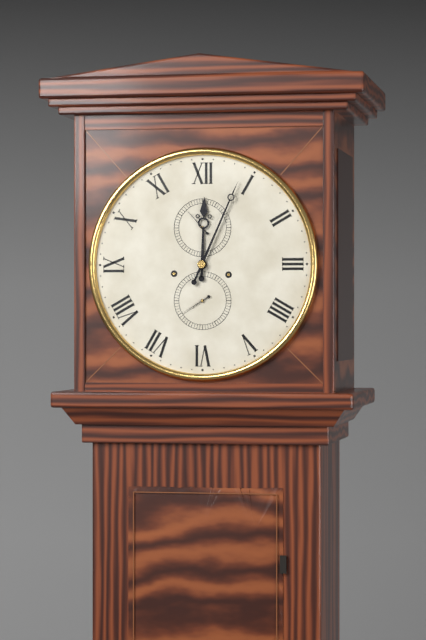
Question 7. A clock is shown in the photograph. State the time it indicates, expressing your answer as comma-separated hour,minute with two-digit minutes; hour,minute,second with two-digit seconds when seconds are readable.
12,04
